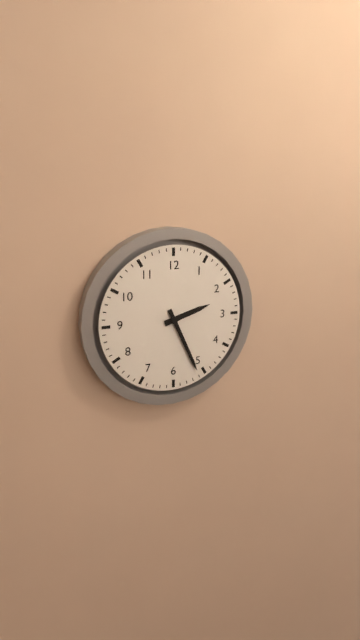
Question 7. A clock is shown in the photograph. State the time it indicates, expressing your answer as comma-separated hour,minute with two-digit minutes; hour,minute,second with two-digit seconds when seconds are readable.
2,26
